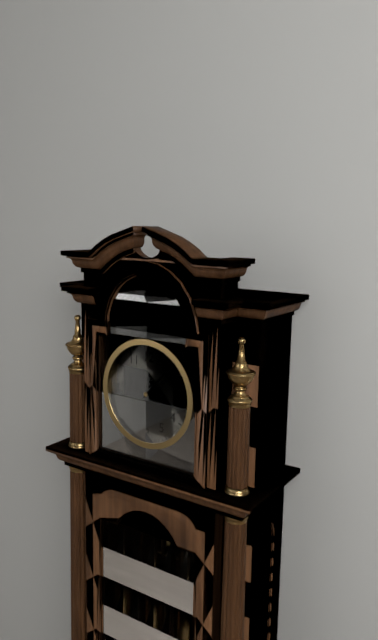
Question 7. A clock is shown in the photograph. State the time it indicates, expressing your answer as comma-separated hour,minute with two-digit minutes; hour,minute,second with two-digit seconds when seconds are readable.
10,07
